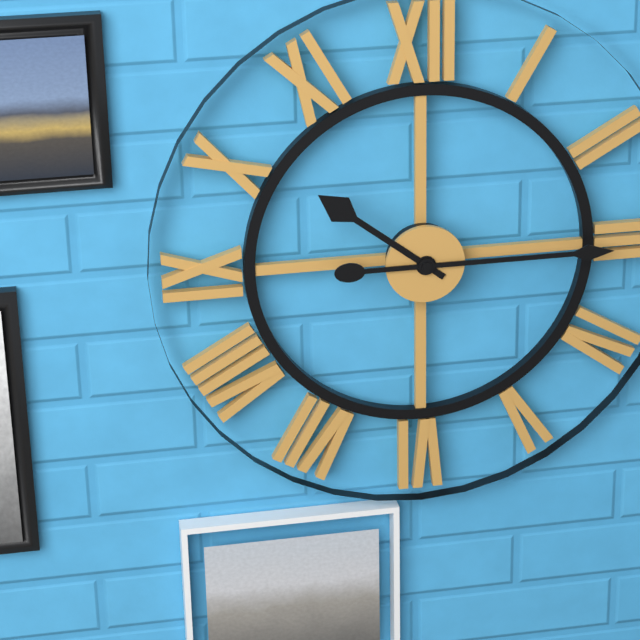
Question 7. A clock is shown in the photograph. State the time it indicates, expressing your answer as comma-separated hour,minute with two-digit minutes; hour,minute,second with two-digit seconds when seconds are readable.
10,15
